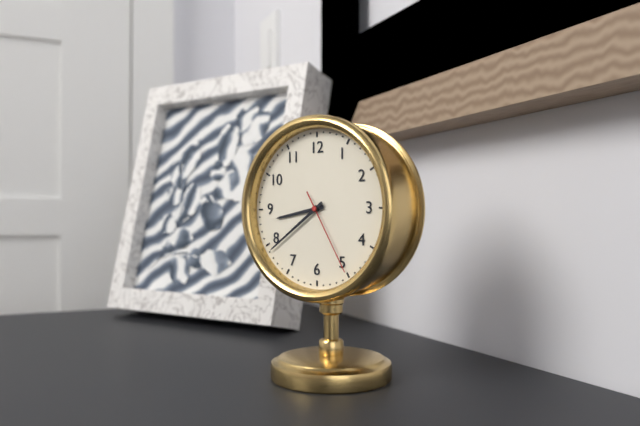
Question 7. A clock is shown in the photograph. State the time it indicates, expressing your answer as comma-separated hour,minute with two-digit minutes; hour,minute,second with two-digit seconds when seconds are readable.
8,39,25
